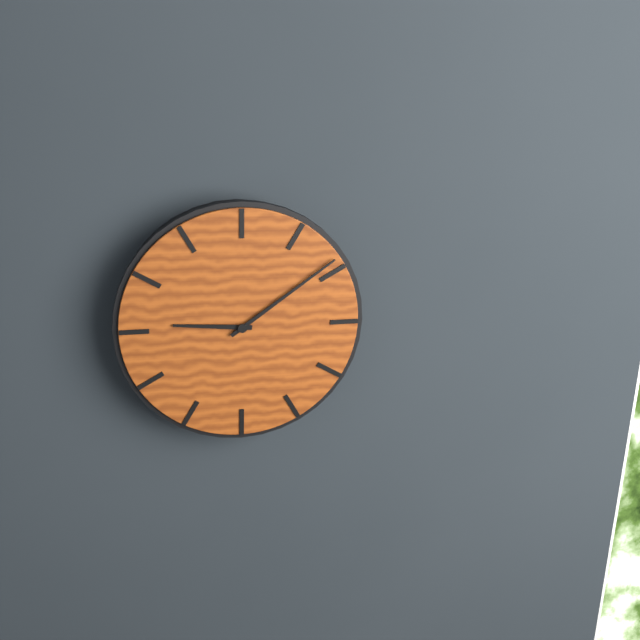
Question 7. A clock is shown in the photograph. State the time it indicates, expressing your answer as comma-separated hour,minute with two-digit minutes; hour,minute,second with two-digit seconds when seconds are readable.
9,09
